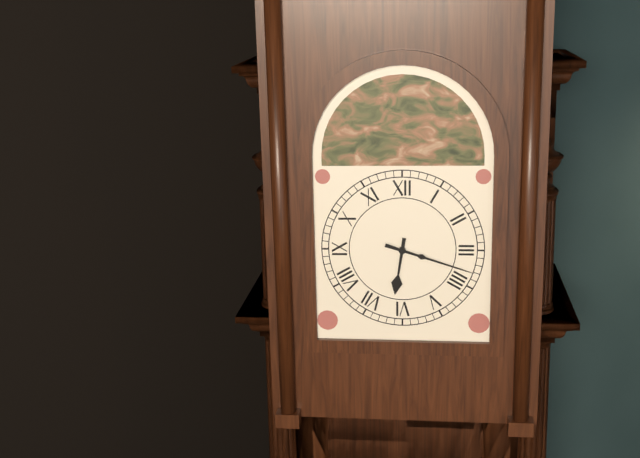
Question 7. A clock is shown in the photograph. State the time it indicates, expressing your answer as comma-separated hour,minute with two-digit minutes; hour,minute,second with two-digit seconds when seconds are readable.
6,18
